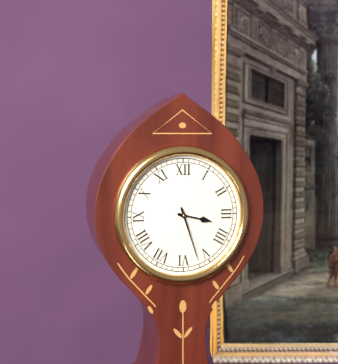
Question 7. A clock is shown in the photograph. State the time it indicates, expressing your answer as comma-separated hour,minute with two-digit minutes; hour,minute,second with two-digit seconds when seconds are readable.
3,27
